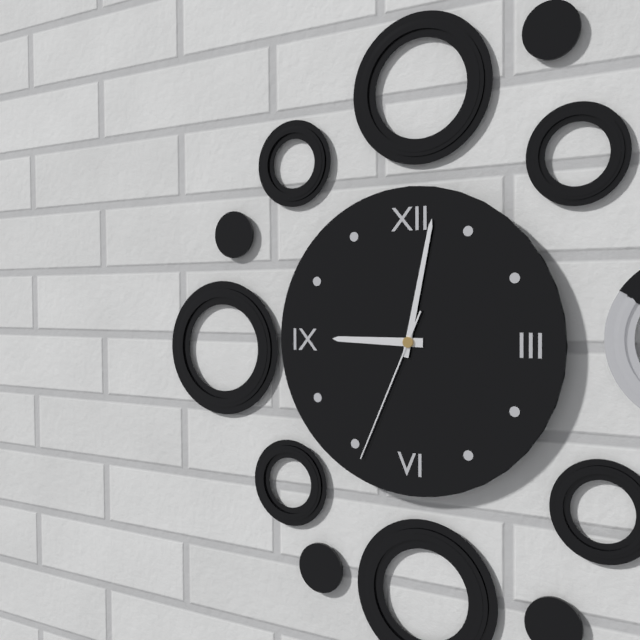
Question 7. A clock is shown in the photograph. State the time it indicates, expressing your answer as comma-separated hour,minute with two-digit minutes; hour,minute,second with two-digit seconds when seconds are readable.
9,02,34
